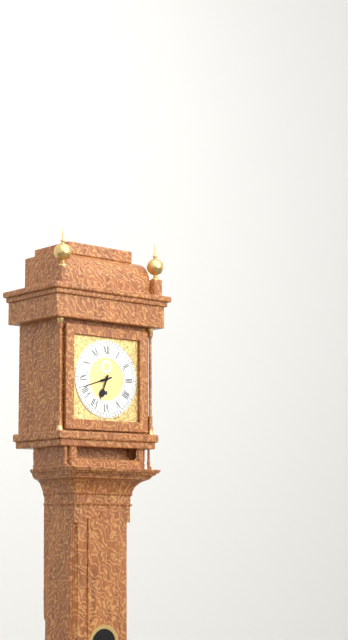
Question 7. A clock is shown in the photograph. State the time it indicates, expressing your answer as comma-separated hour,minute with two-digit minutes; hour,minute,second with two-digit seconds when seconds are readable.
6,42
